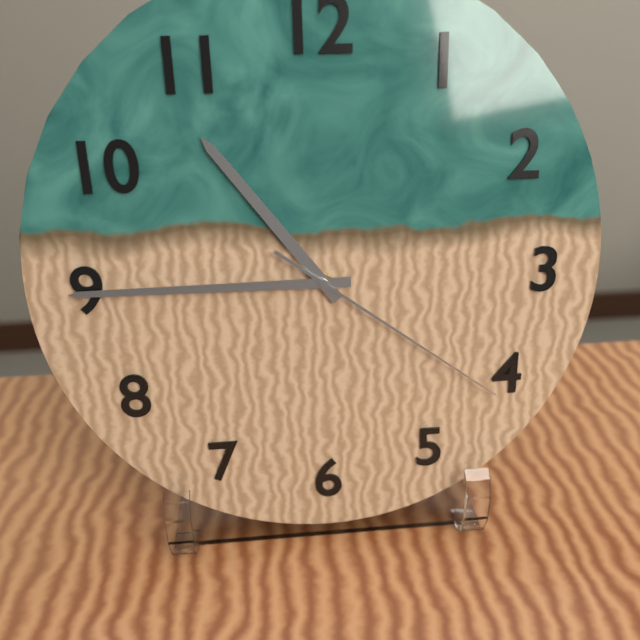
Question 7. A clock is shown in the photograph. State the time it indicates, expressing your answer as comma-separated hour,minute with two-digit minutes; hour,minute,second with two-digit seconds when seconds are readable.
10,45,21
